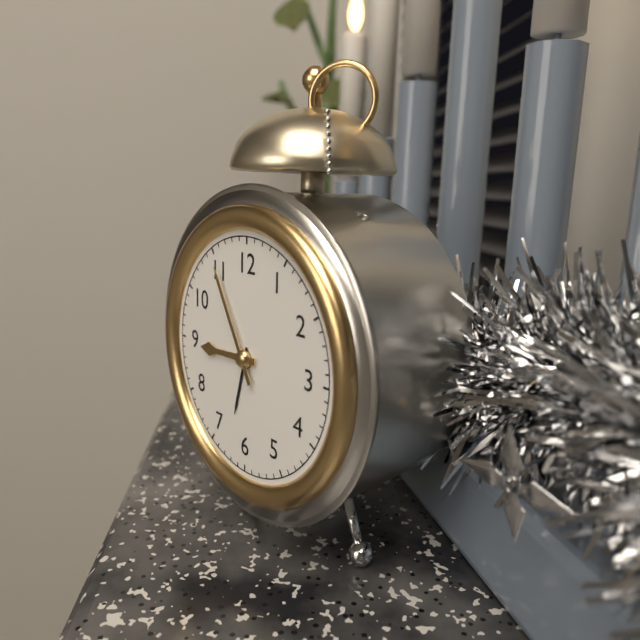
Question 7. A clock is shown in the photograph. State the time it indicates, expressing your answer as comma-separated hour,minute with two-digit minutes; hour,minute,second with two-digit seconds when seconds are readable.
8,55
